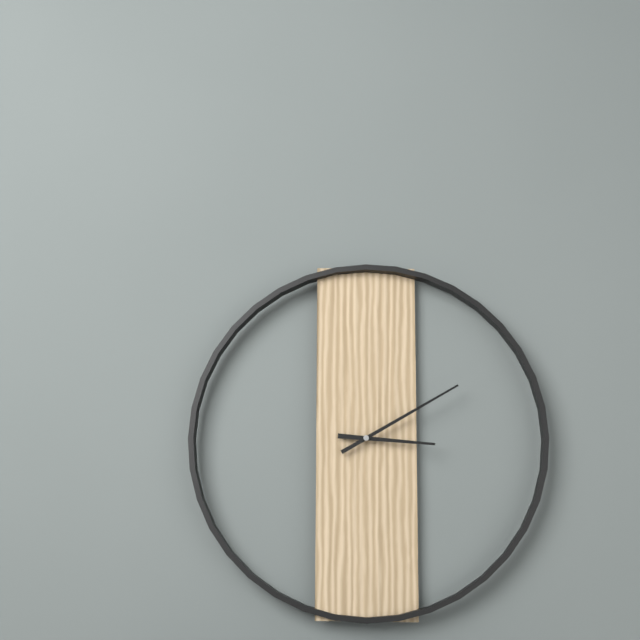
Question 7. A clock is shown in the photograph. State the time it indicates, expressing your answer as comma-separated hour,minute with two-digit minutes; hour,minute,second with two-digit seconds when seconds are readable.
3,10
